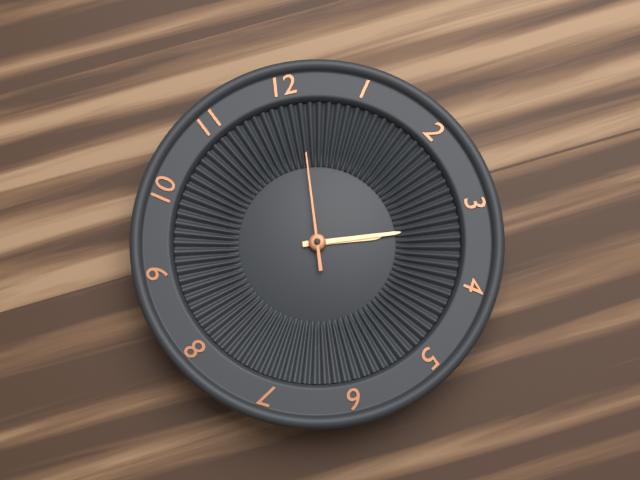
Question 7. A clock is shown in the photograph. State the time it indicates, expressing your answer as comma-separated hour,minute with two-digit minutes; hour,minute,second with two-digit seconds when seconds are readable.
3,16,01
